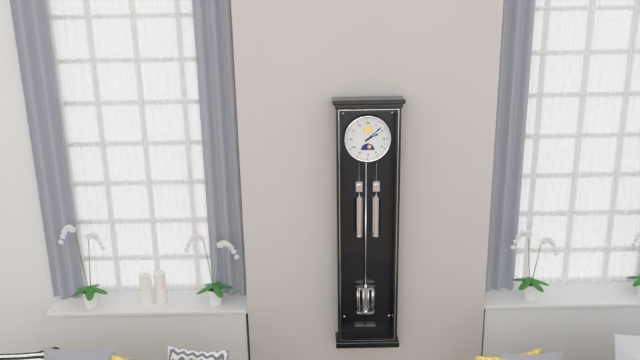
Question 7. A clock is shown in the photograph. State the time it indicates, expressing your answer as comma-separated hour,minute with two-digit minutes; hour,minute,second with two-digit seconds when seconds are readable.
2,08
